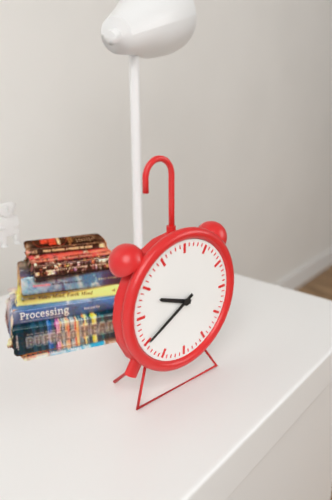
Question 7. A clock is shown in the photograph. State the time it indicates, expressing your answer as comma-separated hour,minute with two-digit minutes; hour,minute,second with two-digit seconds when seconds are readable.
9,40
